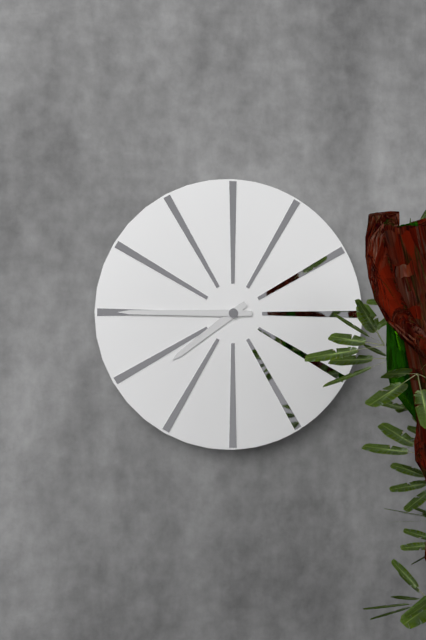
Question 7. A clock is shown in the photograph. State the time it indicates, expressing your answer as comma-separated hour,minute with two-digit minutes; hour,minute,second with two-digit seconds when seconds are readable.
7,45
